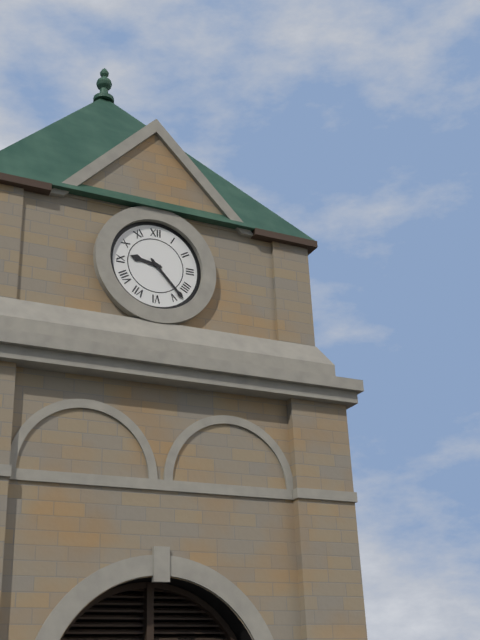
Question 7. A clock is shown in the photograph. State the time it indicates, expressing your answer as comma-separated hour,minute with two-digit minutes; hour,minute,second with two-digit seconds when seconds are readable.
9,23
